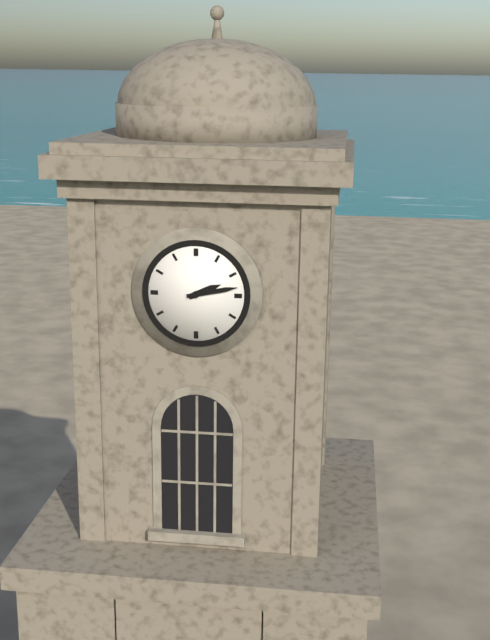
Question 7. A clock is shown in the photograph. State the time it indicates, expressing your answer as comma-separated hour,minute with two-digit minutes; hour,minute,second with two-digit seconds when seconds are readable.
2,13
